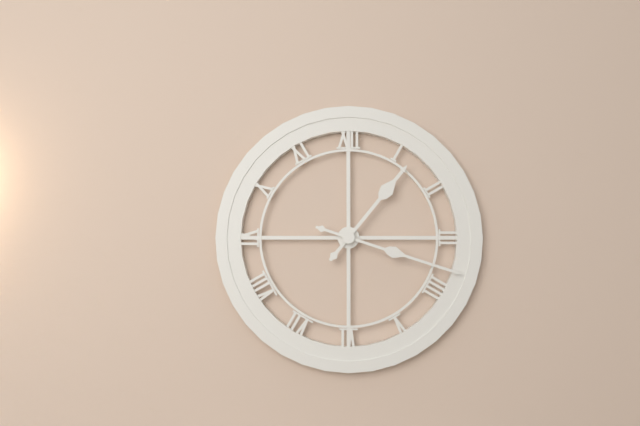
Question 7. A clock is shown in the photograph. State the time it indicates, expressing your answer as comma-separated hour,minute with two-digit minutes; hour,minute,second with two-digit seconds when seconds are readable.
1,18
